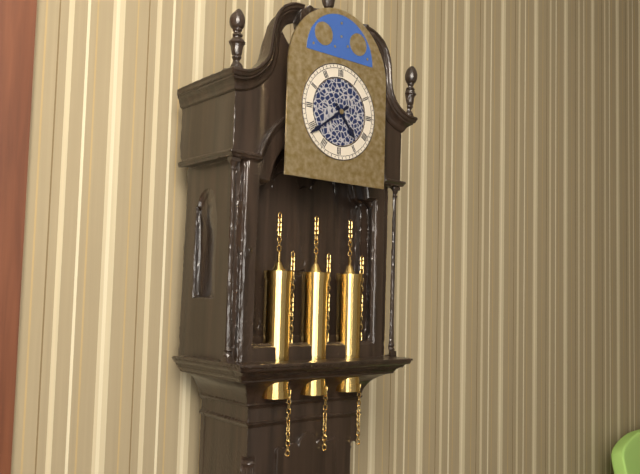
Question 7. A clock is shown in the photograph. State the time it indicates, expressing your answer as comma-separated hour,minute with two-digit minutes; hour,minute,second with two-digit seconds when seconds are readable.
4,39
